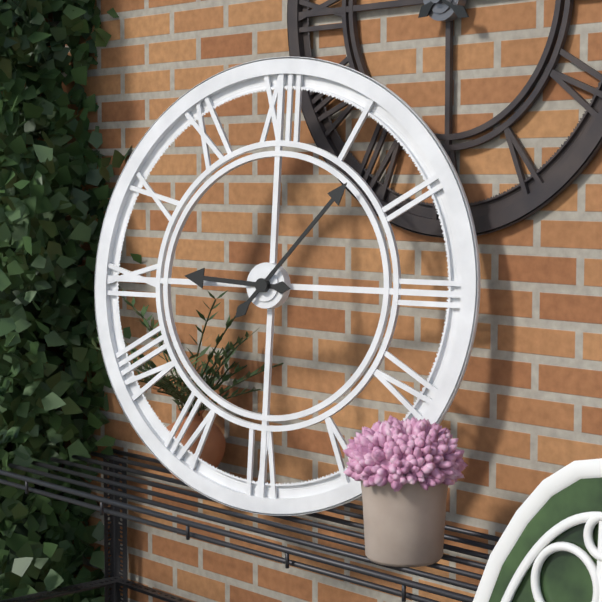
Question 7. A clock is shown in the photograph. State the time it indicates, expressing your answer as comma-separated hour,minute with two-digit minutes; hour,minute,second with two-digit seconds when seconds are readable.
9,07
